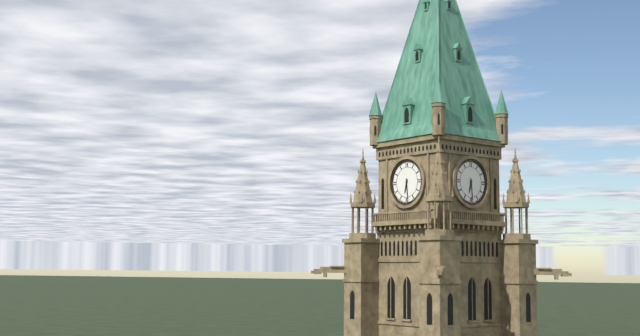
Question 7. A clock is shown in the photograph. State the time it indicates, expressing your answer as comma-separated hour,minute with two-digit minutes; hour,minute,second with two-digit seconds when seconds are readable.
6,29
